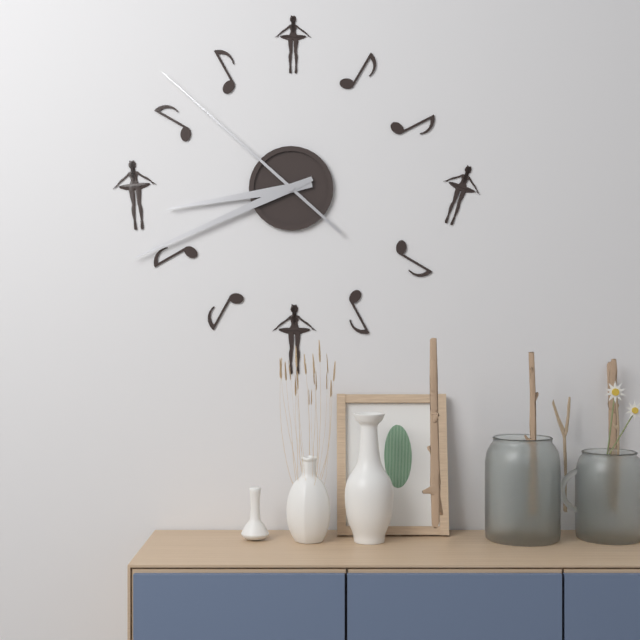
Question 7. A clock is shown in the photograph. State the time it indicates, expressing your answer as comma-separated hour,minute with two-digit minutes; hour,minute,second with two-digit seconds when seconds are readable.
8,41,52
